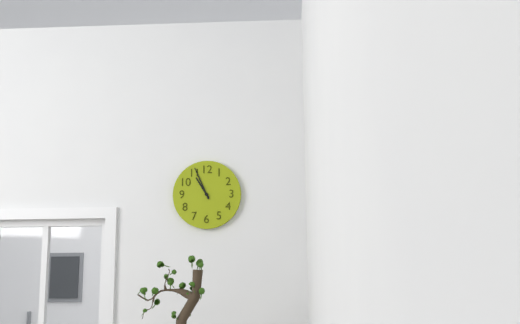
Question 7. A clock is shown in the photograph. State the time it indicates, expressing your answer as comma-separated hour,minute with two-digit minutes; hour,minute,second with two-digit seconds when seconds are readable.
10,56
